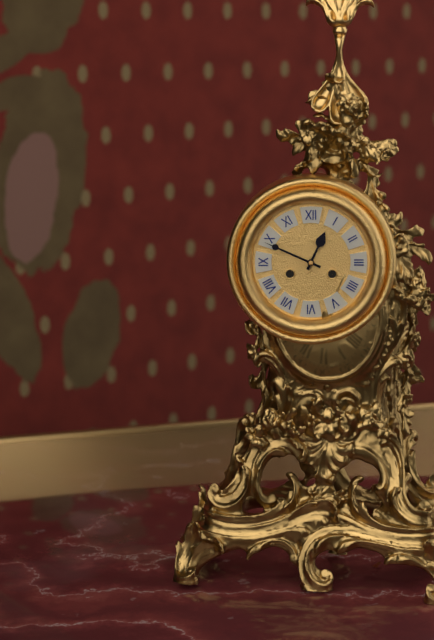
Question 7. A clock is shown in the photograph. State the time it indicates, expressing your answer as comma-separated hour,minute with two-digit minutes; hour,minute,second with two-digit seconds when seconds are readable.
12,49
